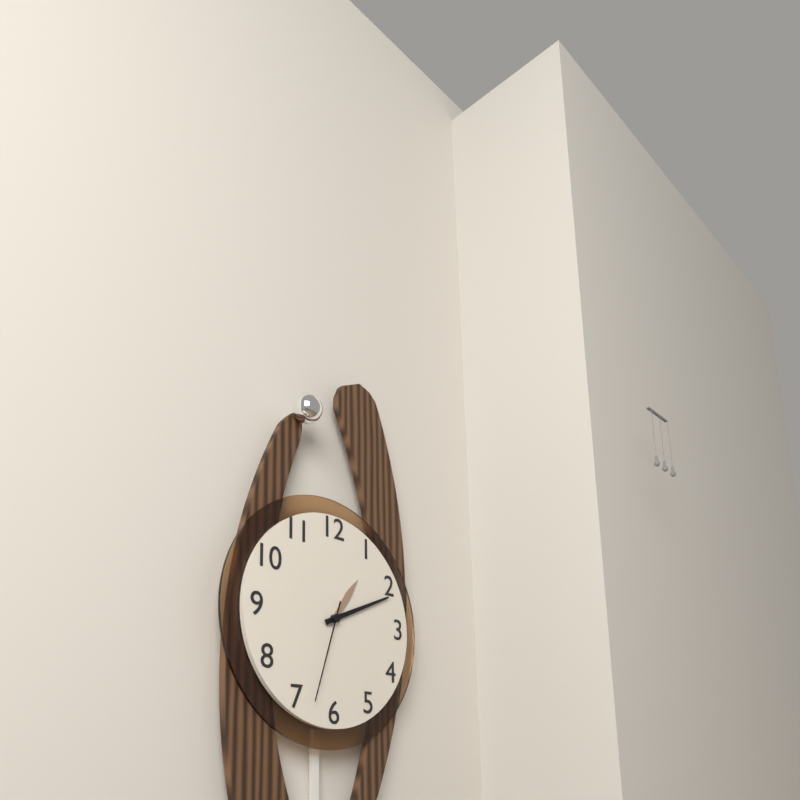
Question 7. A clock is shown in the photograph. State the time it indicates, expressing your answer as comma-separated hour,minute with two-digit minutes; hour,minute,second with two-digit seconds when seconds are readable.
1,11,33
